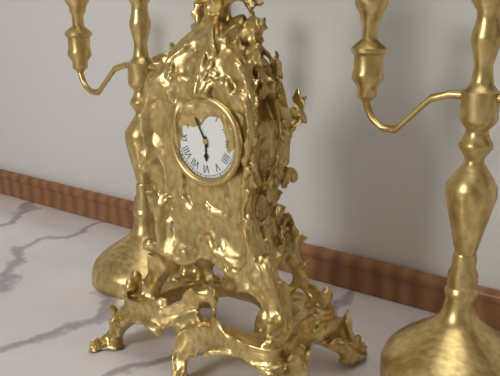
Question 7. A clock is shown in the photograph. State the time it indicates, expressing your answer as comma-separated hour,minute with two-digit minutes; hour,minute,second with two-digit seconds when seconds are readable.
5,55
